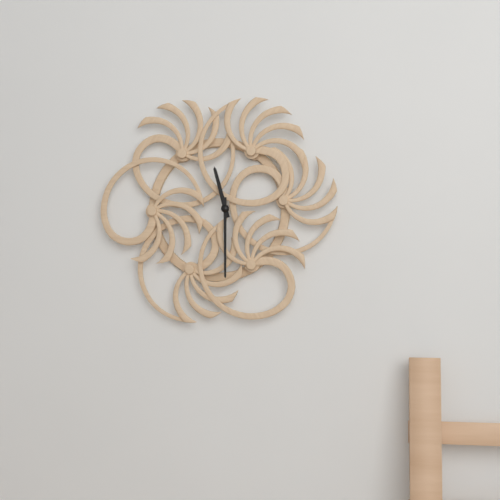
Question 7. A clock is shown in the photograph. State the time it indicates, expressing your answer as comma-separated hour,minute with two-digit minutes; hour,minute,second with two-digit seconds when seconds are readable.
11,30
